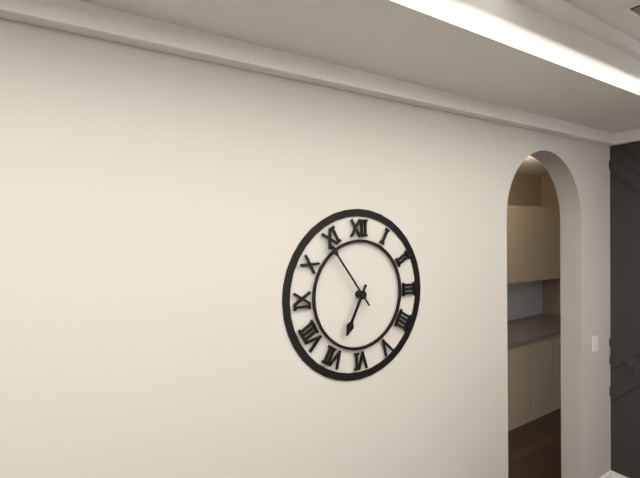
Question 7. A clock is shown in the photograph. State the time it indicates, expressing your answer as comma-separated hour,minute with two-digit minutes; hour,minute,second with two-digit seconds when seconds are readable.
6,54
